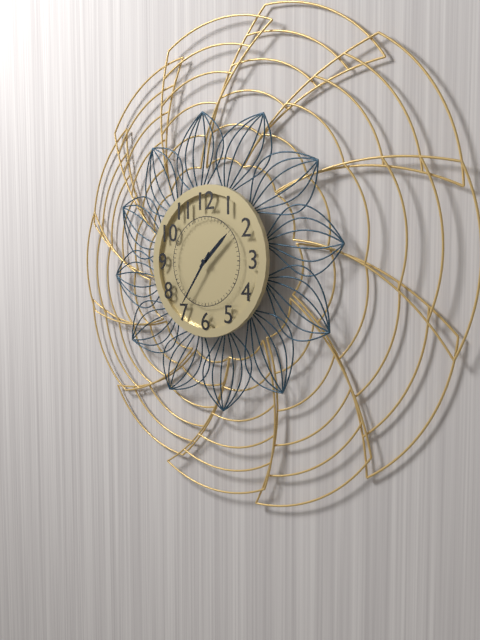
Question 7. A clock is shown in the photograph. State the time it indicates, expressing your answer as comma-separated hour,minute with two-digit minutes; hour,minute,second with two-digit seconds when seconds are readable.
1,36
